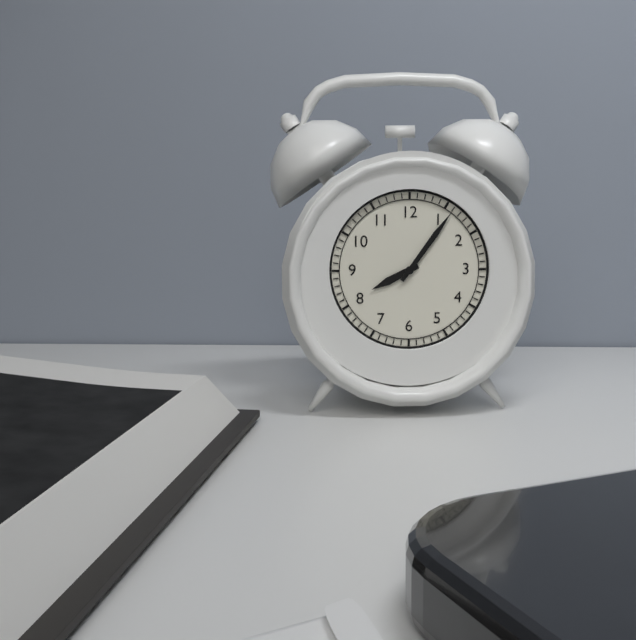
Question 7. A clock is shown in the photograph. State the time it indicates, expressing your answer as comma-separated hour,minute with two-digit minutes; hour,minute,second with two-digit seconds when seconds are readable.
8,06
